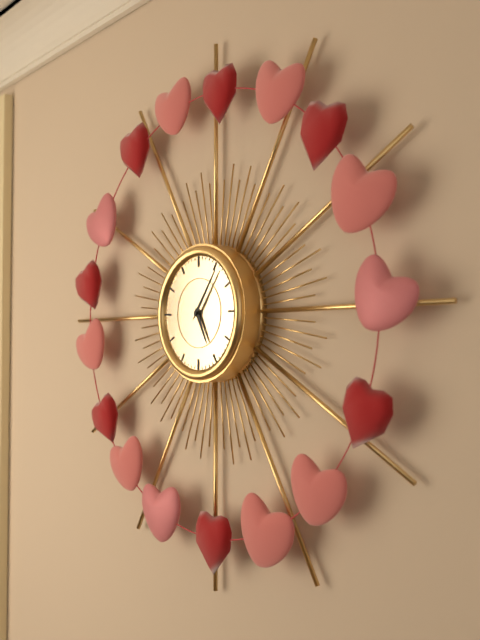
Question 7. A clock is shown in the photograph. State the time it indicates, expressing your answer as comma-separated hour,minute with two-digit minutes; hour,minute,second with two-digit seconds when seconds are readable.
5,06
